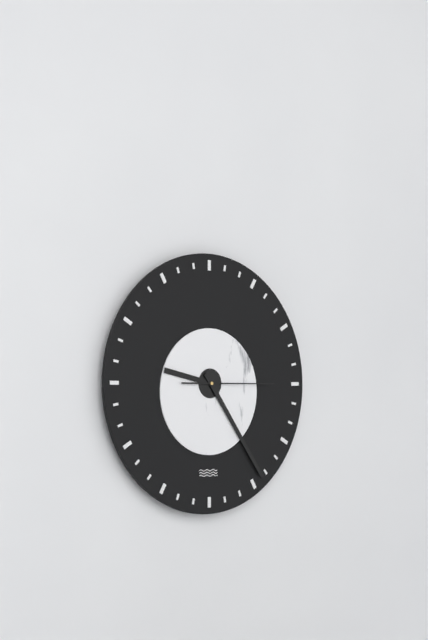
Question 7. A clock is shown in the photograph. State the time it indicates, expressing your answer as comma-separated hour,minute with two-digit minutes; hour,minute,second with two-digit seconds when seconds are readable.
9,24,15
